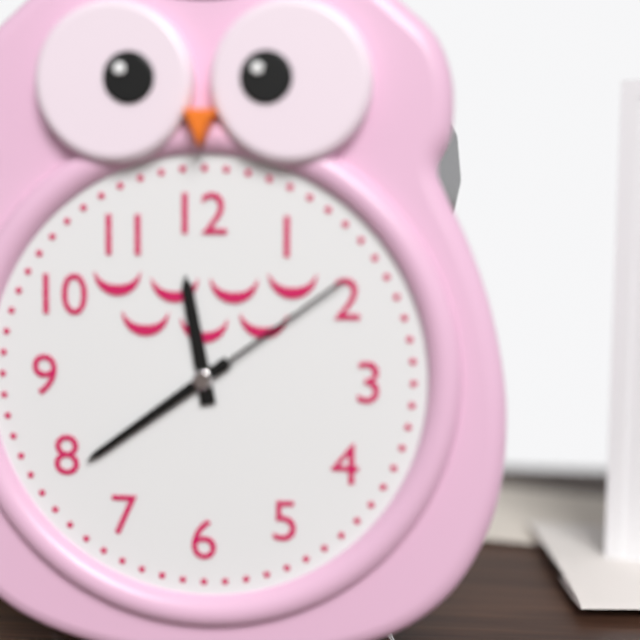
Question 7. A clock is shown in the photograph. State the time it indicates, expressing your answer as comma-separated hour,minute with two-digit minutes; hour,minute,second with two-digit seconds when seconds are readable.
11,39,09
